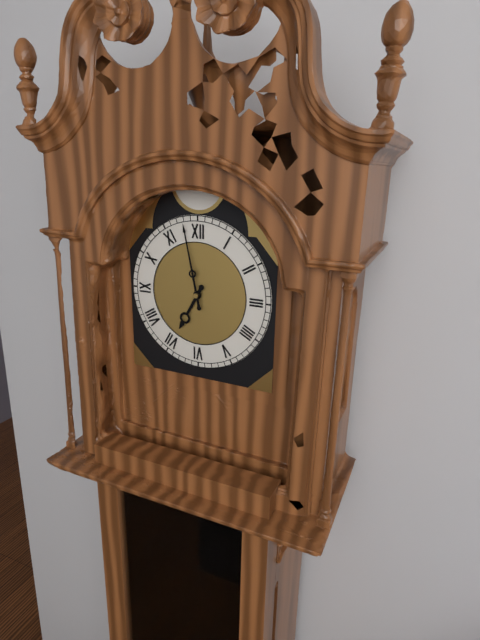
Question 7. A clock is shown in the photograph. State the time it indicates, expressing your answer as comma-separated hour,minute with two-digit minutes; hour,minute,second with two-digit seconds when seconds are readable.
6,58
